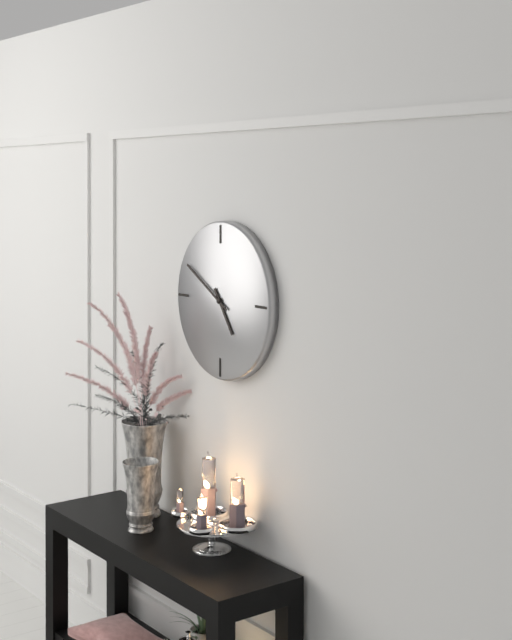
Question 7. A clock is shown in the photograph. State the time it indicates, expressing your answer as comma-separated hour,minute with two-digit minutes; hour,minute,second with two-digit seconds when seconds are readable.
4,50
